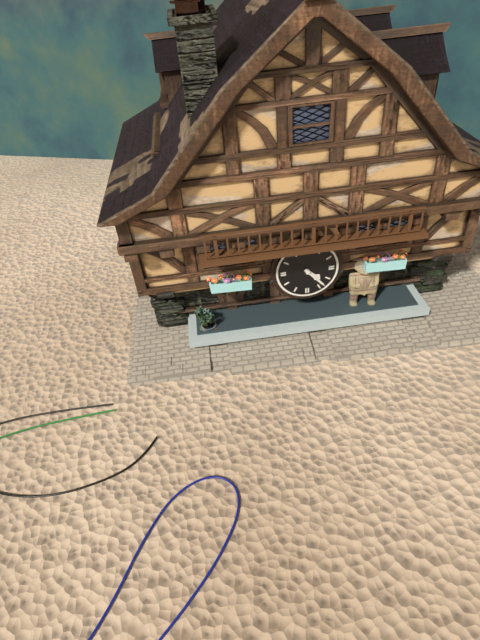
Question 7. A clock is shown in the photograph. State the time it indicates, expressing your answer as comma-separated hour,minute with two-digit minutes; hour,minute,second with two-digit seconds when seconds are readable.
4,23
